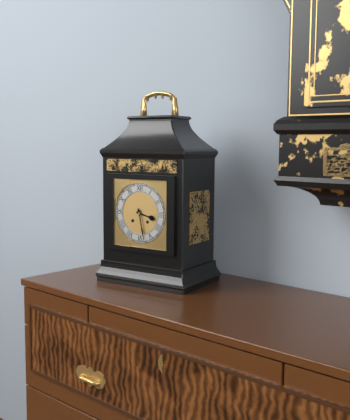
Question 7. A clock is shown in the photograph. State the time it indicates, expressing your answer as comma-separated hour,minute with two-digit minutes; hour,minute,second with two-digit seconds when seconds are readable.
3,28
